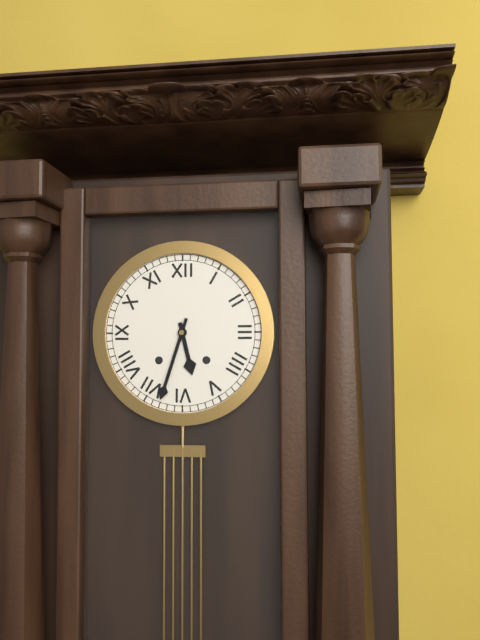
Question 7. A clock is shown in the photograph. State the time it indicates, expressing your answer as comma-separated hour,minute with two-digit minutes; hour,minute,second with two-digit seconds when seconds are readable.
5,33
